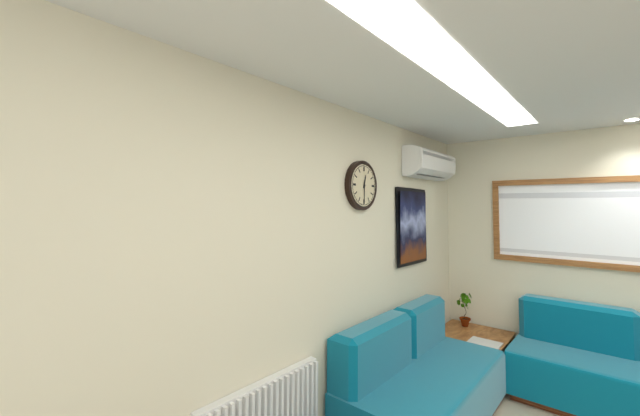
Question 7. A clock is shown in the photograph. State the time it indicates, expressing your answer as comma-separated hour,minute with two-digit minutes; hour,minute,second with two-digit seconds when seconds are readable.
12,30
